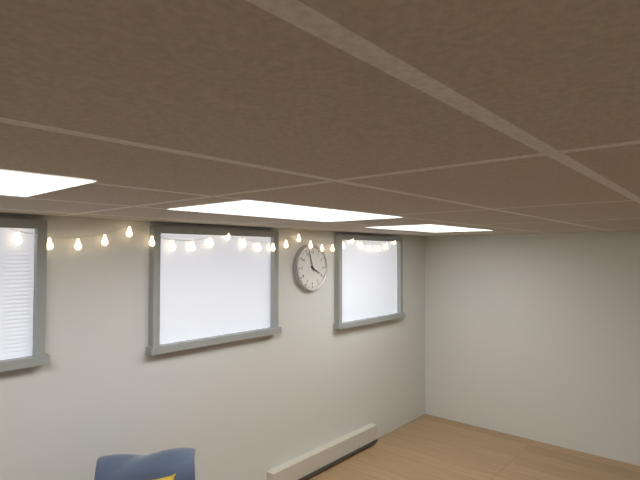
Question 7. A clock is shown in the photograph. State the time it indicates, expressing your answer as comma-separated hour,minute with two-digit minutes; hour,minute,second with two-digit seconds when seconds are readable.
3,57
